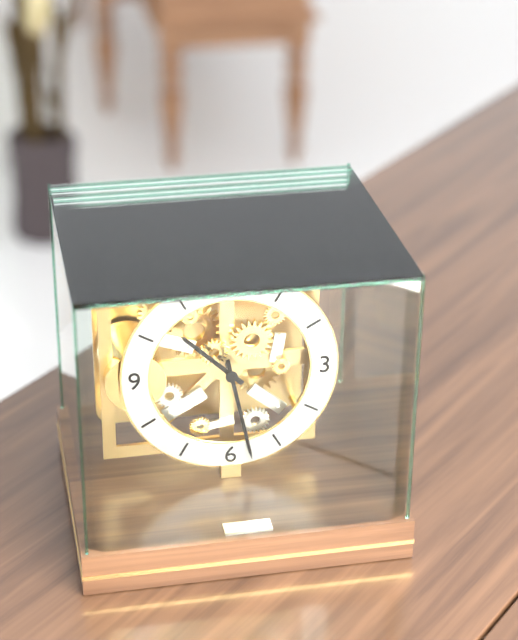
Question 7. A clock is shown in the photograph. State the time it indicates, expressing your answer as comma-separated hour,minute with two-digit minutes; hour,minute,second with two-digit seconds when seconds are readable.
10,28
